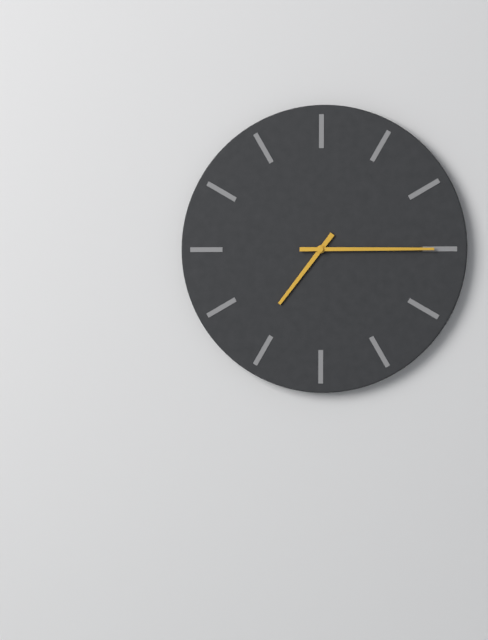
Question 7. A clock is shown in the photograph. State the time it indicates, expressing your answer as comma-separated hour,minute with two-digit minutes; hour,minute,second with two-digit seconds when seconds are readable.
7,15
